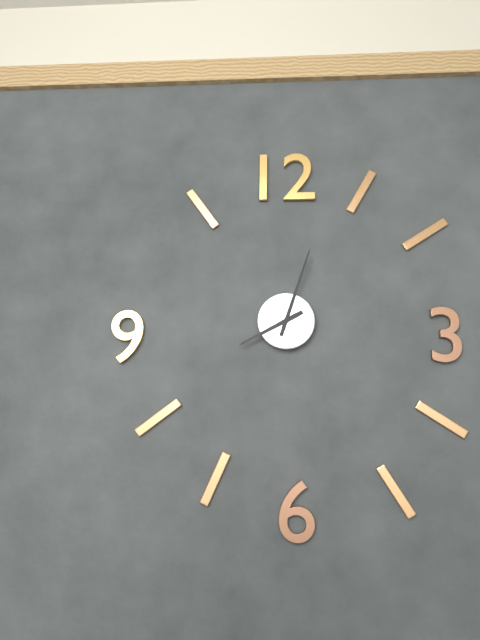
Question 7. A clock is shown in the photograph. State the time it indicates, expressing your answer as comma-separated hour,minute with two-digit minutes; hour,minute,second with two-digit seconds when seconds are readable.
8,03
